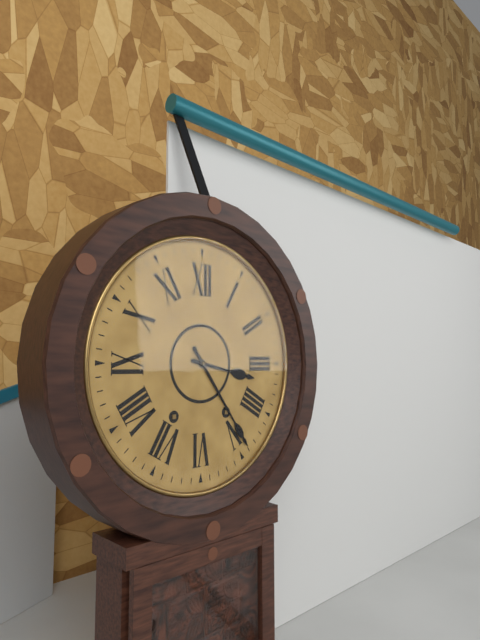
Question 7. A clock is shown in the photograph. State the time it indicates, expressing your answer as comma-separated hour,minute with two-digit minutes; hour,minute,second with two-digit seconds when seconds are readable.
3,24
